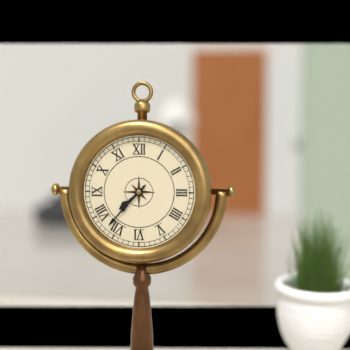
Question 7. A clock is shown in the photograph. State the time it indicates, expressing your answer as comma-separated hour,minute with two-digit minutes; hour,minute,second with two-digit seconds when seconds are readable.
7,37
